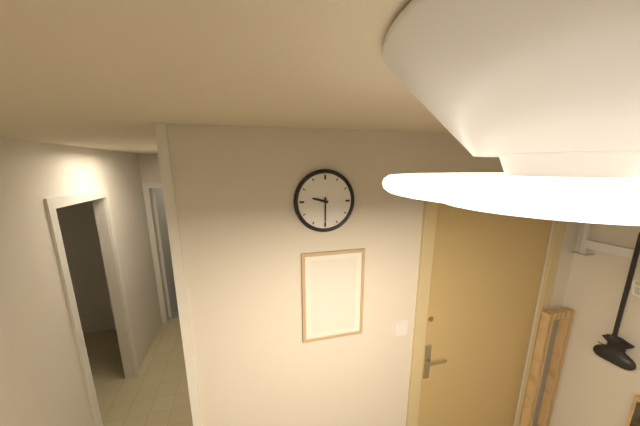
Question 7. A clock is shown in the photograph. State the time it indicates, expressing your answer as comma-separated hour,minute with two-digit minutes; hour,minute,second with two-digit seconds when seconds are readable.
9,30
